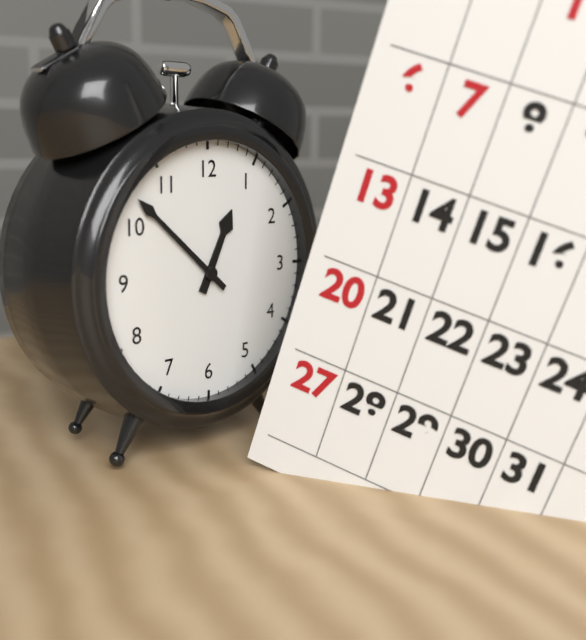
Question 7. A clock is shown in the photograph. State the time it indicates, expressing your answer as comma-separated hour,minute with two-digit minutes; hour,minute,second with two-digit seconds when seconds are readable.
12,52
